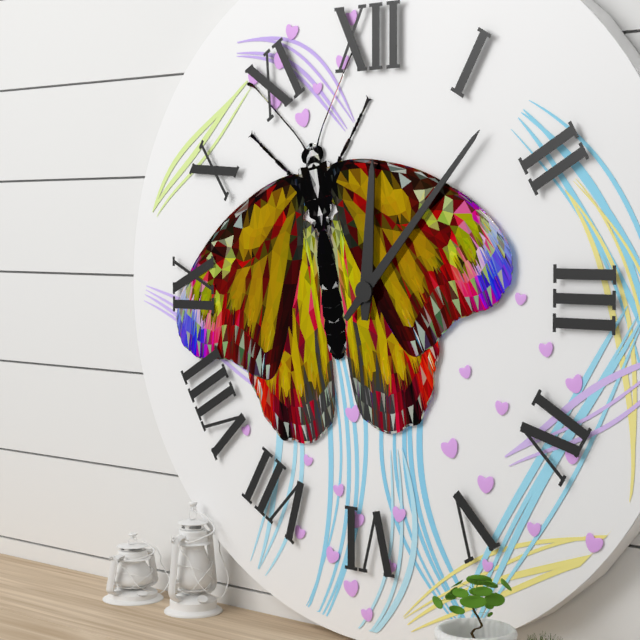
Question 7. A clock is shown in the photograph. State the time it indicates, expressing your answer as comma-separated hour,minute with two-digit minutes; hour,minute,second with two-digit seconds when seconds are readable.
12,07
